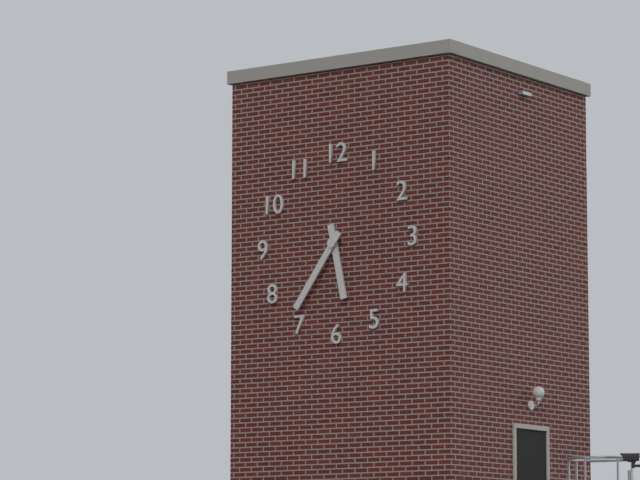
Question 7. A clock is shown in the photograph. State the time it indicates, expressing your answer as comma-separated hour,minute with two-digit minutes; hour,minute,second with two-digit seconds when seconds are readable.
5,36
